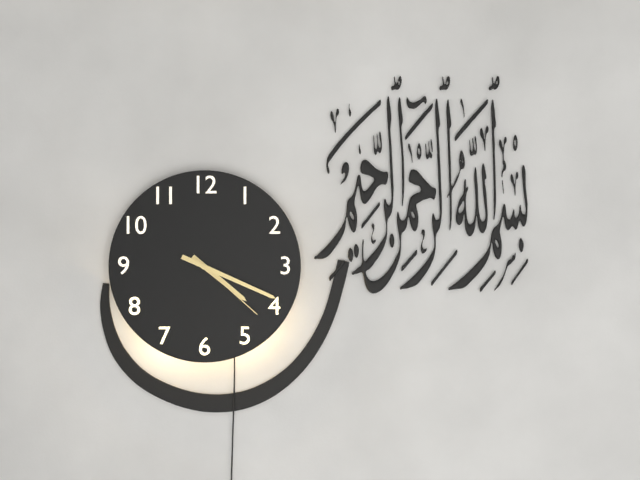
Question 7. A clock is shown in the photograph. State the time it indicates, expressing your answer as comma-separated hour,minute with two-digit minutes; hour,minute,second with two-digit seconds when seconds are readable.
4,19,22
